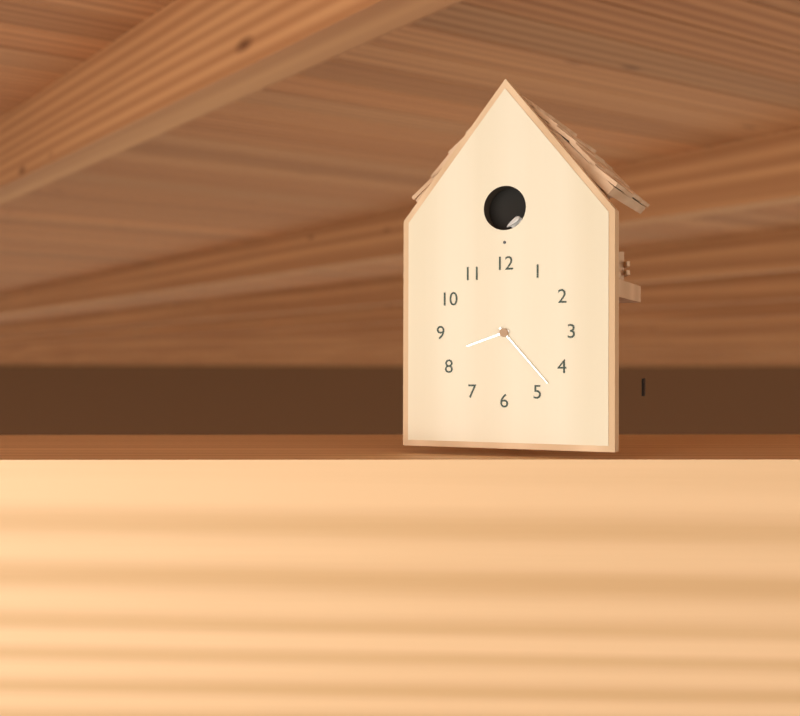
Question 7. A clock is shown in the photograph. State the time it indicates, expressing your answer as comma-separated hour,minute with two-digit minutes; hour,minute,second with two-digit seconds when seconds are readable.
8,23
